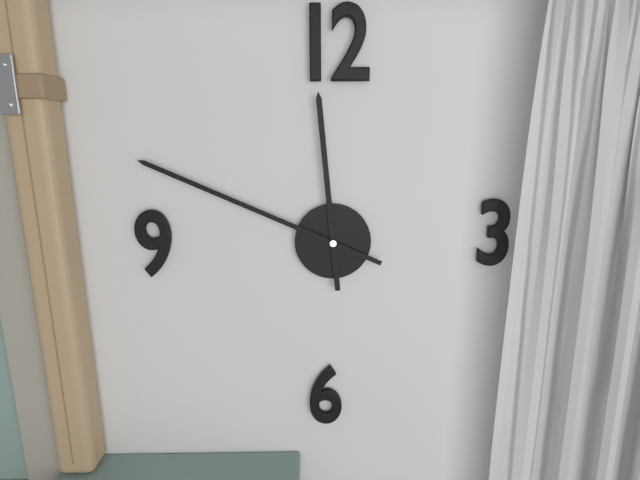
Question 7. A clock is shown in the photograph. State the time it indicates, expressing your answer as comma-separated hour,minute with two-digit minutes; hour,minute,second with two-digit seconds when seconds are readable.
11,49
